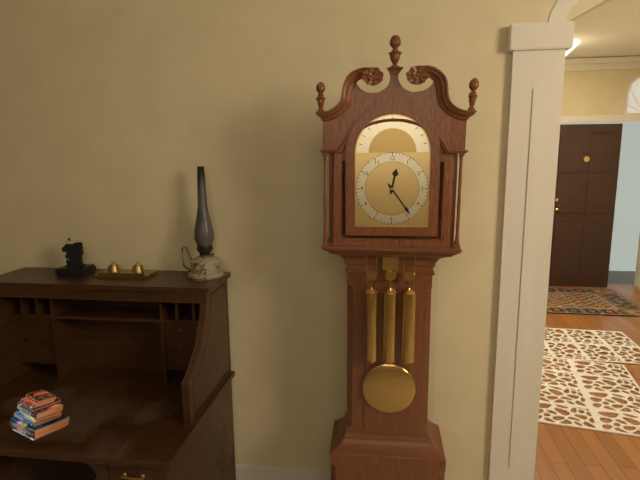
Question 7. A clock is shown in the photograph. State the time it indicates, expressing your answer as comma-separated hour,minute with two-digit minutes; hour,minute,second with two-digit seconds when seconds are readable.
12,24
